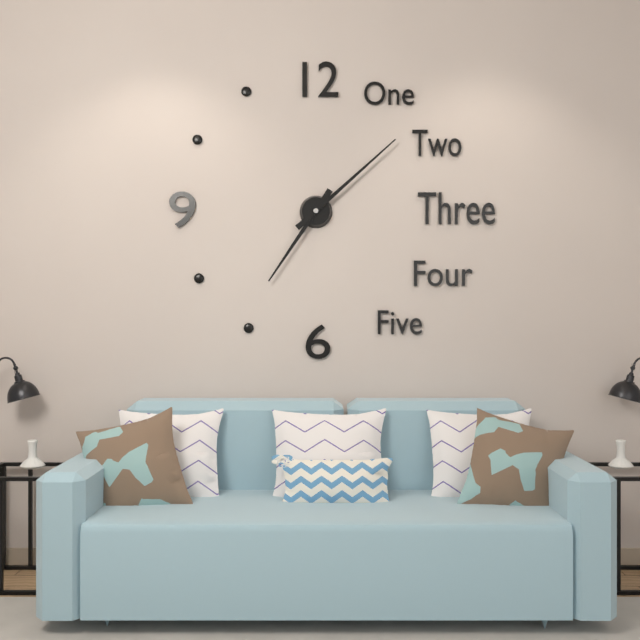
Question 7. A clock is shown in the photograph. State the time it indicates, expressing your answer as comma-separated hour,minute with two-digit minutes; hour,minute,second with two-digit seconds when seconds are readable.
7,08
